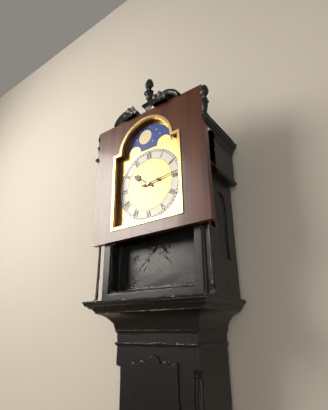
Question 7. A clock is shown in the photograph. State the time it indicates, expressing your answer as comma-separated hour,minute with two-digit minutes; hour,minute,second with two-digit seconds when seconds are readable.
10,14
